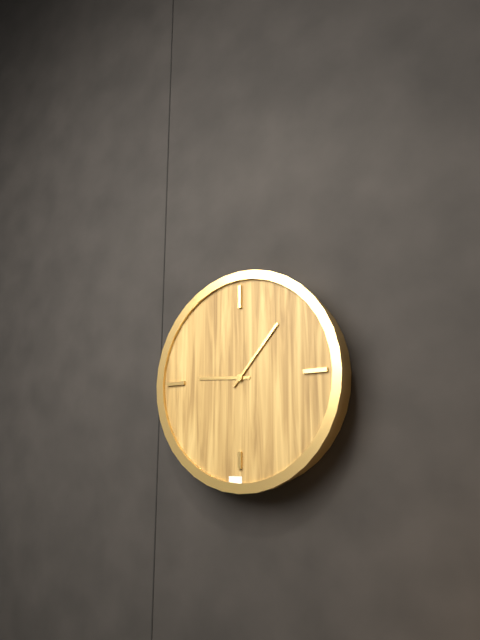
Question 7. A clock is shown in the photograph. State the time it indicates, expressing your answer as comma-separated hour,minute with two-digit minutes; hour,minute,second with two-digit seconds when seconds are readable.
9,07
